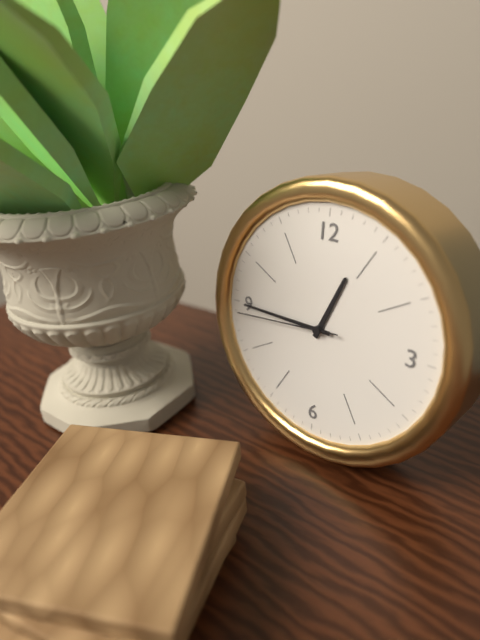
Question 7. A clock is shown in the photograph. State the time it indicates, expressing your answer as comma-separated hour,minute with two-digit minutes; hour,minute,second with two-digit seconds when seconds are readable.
12,45,44
